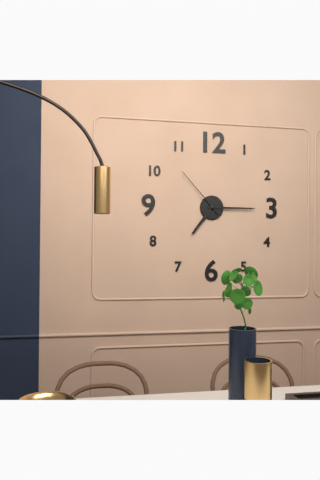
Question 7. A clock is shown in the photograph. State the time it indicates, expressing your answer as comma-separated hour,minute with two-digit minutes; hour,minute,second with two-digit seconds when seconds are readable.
7,15,53
